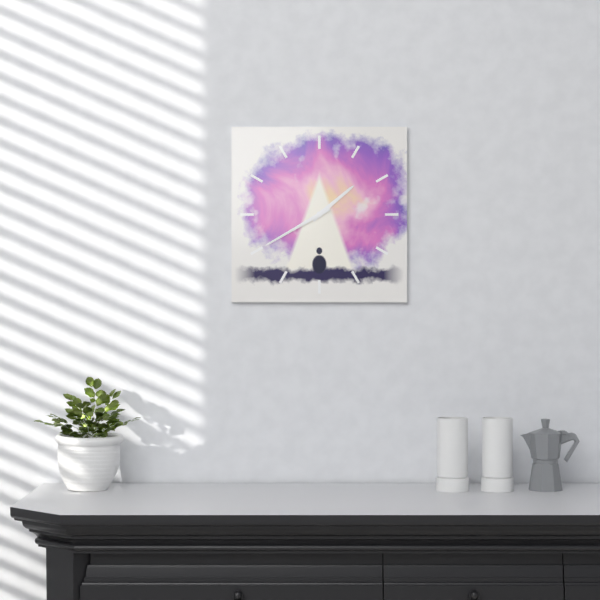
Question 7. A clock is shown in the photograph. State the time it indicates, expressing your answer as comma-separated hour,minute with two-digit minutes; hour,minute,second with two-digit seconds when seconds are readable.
1,40
